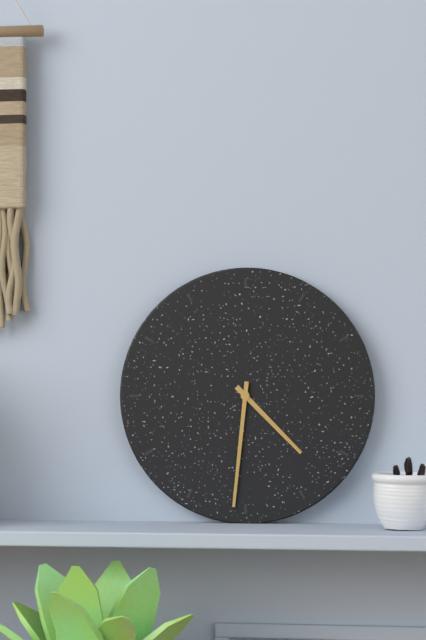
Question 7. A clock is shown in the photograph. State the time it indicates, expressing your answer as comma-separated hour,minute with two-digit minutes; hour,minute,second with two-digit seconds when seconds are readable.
4,31
